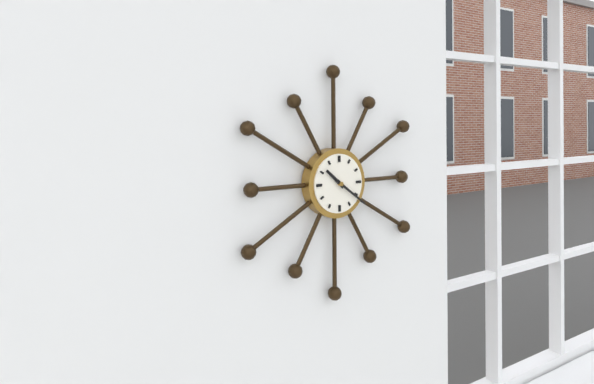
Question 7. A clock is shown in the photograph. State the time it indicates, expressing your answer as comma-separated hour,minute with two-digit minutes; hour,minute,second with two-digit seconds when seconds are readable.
10,21
